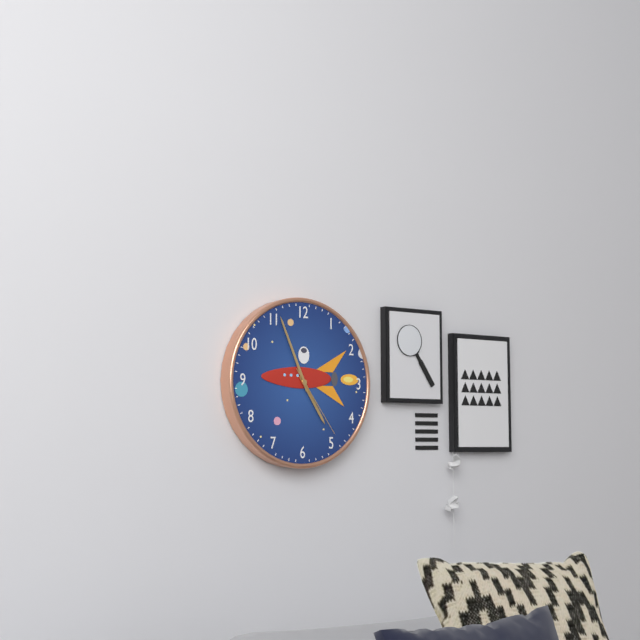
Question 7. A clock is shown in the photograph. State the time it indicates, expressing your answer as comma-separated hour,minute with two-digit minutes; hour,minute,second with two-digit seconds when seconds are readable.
4,56,24
